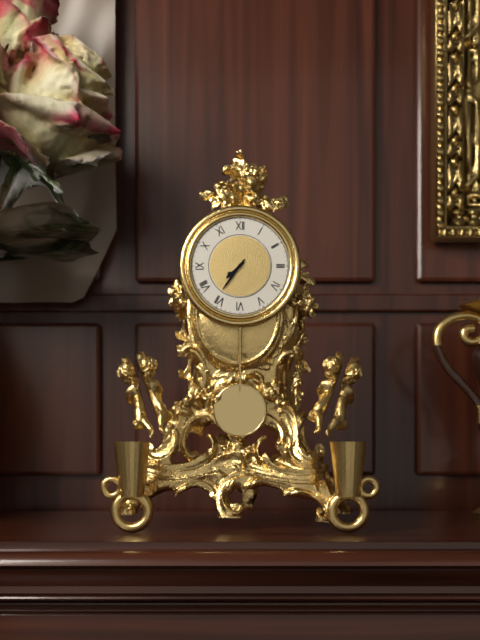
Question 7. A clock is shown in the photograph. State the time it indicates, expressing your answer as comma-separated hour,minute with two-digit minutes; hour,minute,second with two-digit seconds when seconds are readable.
7,36
